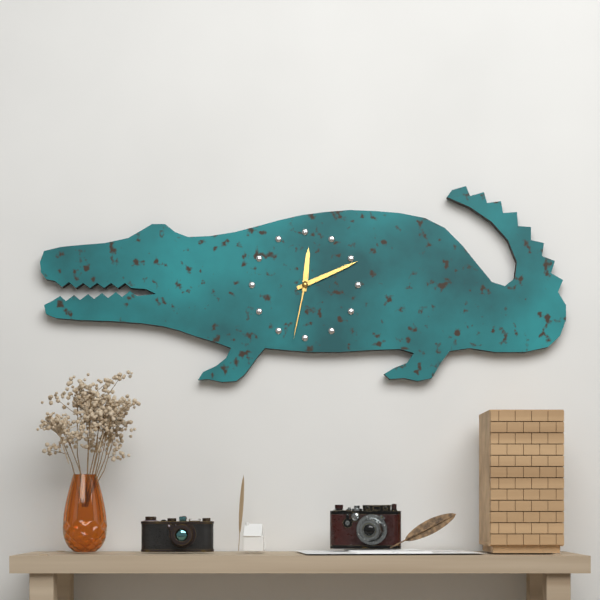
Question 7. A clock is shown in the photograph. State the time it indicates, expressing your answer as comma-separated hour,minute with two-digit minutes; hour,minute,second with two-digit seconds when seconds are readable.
12,11,32
